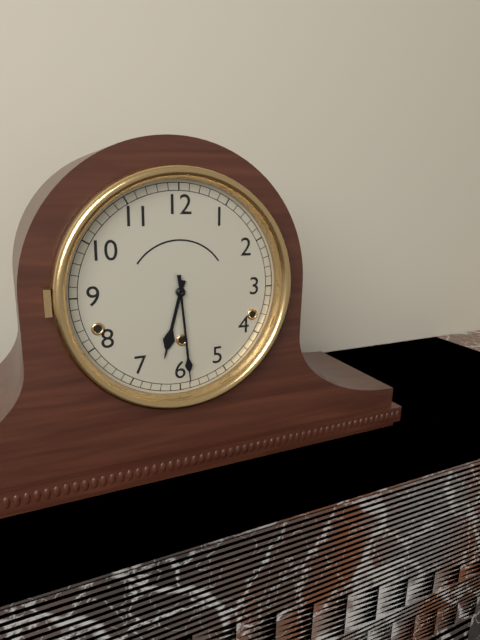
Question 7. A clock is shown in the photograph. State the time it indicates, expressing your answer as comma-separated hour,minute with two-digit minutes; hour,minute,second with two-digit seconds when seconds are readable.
6,29
